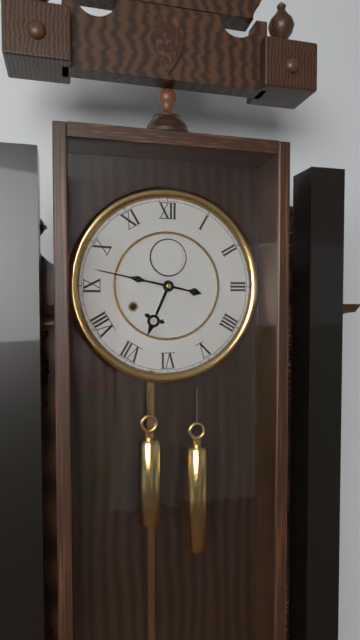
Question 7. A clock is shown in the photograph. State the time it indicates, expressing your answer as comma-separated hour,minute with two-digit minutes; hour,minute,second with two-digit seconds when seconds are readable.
6,47
